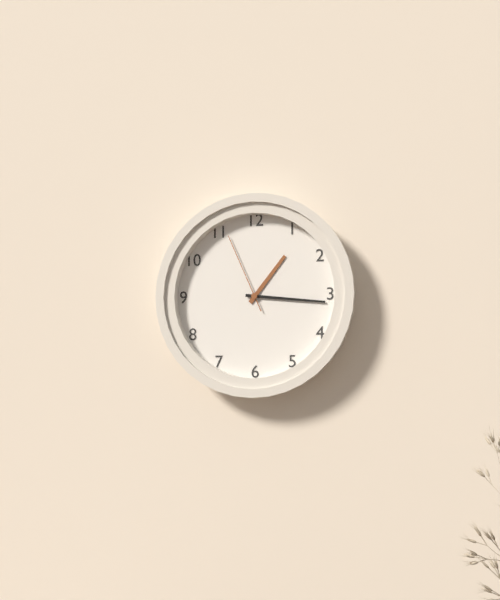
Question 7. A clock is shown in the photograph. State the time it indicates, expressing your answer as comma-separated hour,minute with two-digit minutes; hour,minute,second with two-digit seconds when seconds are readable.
1,16,56
